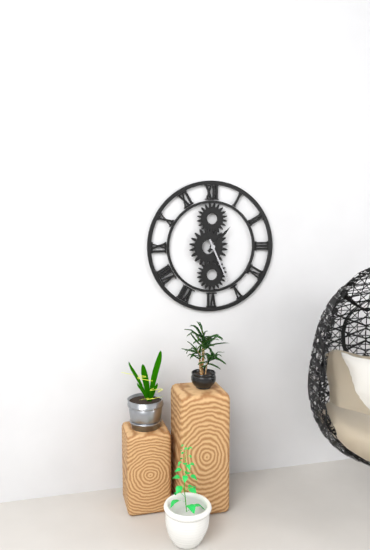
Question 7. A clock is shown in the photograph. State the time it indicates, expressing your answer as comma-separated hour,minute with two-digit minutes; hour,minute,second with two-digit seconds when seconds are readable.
1,26
